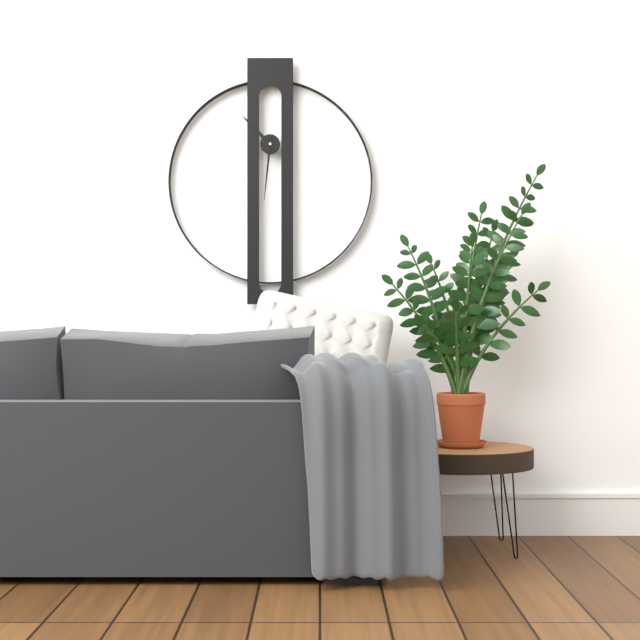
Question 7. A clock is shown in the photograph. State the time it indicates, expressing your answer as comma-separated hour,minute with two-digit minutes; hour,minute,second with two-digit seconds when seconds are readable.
10,31
